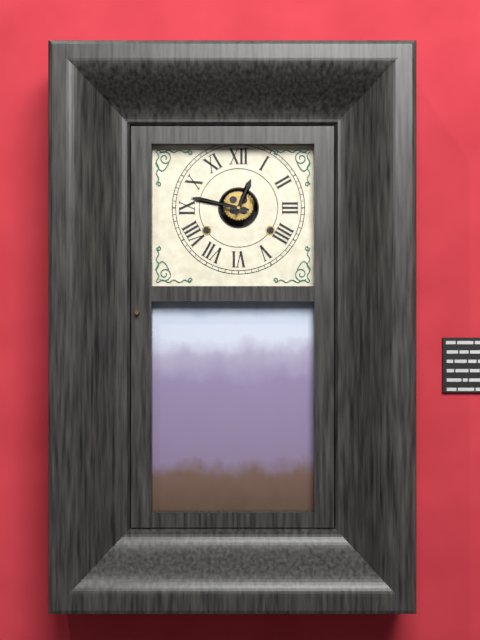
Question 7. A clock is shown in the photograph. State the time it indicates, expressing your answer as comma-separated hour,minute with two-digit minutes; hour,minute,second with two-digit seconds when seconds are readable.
12,47
